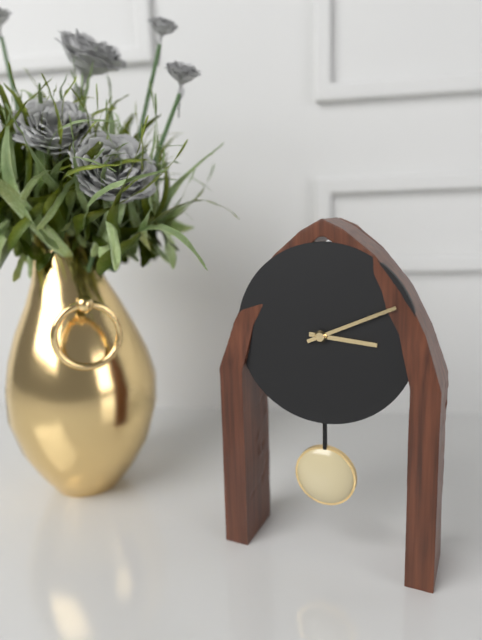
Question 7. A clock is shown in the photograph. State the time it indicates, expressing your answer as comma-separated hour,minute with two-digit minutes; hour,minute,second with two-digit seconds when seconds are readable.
3,11
